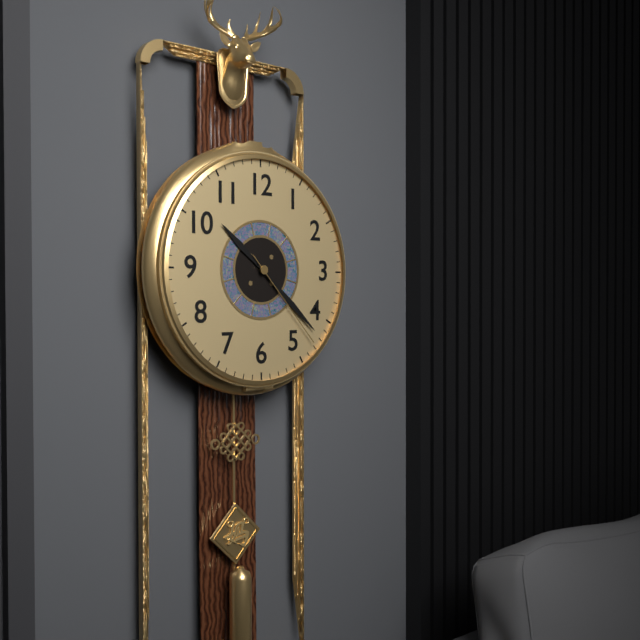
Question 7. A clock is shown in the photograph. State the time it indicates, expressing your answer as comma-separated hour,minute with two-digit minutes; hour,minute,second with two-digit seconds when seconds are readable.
10,22,23
